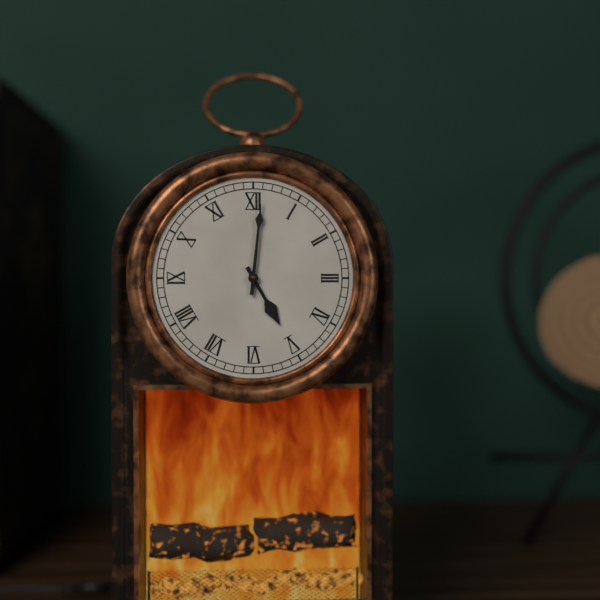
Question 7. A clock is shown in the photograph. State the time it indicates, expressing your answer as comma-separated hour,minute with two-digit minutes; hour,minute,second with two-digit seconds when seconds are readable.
5,01
